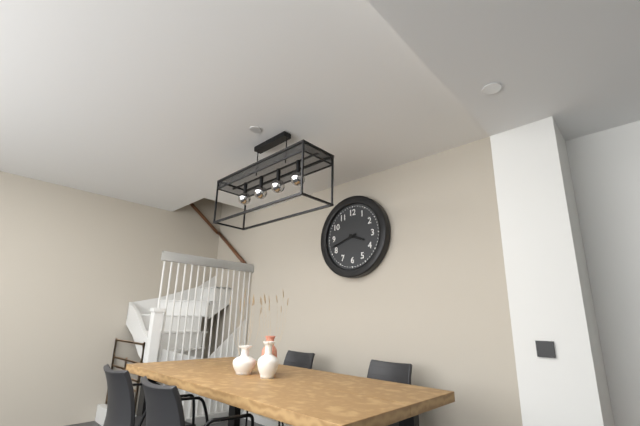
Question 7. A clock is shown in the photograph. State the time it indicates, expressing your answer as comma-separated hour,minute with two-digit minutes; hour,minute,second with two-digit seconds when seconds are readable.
3,42
